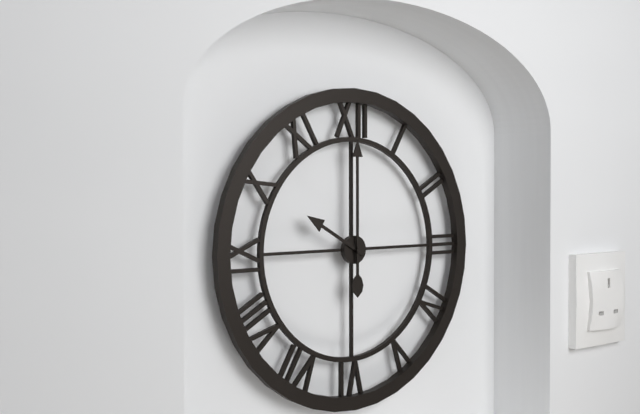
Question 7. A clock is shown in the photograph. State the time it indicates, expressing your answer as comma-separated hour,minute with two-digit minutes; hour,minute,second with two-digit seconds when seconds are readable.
10,00
